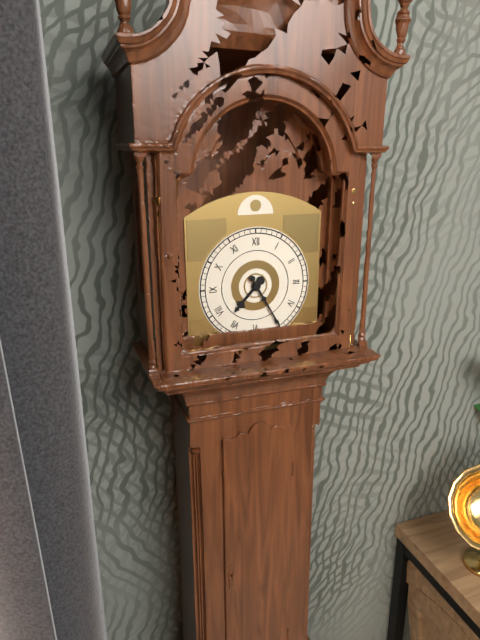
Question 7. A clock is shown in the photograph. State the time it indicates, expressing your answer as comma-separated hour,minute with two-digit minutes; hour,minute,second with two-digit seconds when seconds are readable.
7,25
